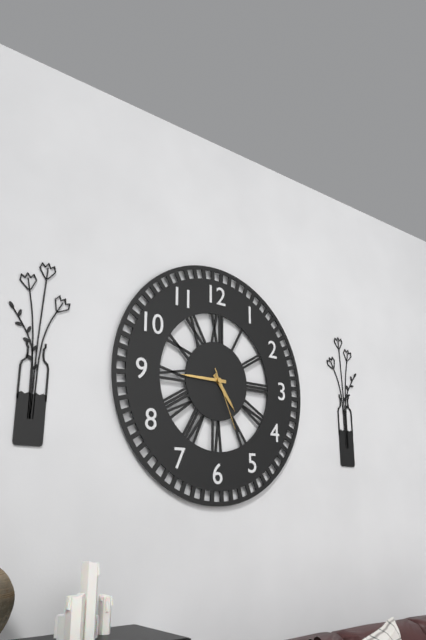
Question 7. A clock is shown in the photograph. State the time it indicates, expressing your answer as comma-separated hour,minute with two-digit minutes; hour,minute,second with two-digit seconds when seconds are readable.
4,45,26
